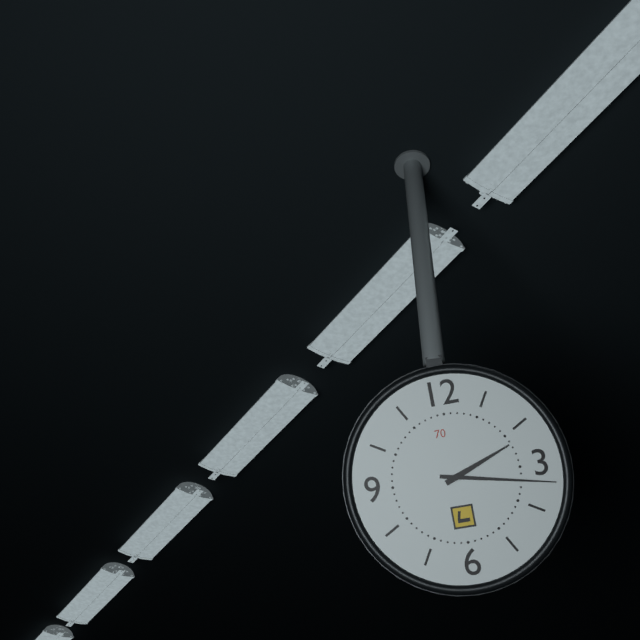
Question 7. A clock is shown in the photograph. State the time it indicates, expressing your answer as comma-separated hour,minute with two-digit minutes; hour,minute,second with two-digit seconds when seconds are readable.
2,17
